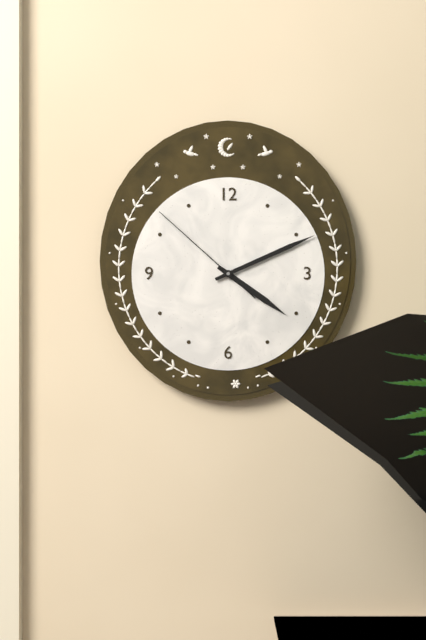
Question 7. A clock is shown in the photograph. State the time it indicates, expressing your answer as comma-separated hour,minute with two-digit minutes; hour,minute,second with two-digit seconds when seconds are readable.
4,11,52
